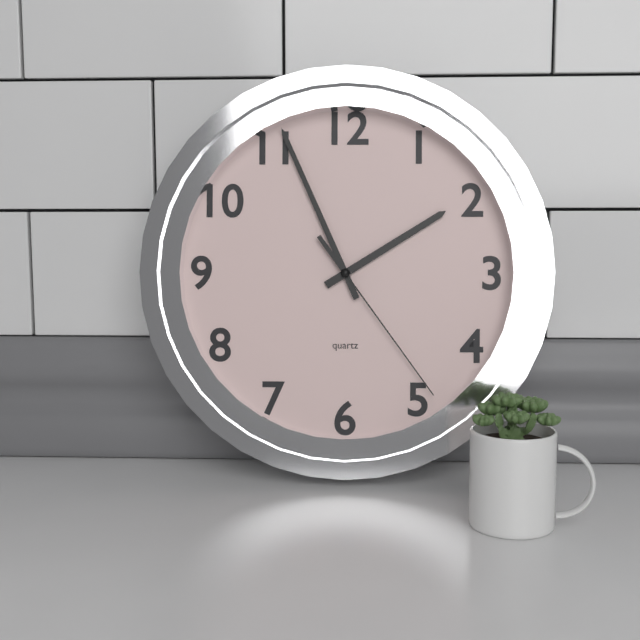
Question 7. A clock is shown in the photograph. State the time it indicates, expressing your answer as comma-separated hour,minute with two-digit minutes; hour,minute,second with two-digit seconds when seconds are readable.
1,56,24
